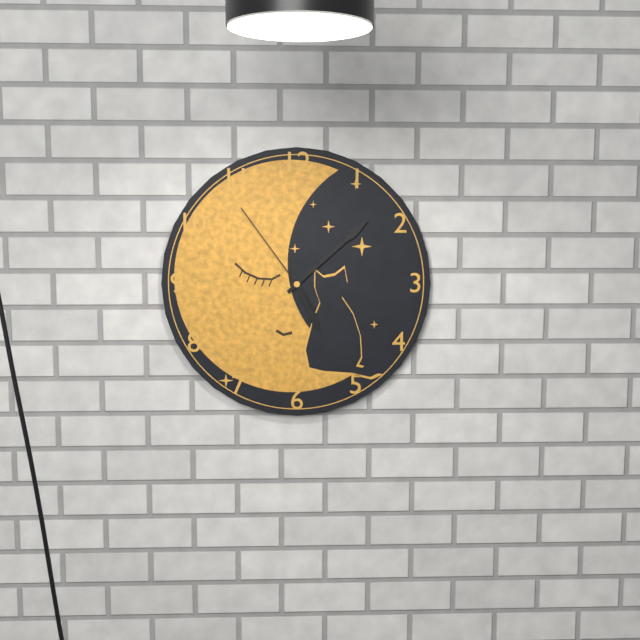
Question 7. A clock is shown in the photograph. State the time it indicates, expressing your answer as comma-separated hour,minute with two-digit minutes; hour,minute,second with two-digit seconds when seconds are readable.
5,08,54
